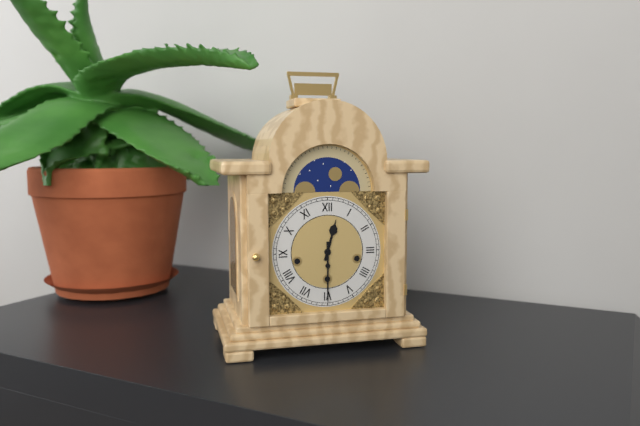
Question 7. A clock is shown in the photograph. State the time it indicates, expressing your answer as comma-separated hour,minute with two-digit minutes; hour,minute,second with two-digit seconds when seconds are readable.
12,30
